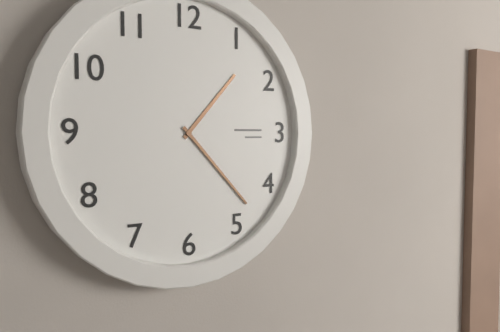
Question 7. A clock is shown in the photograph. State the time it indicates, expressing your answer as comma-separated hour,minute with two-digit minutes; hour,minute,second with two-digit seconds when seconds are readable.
1,23
